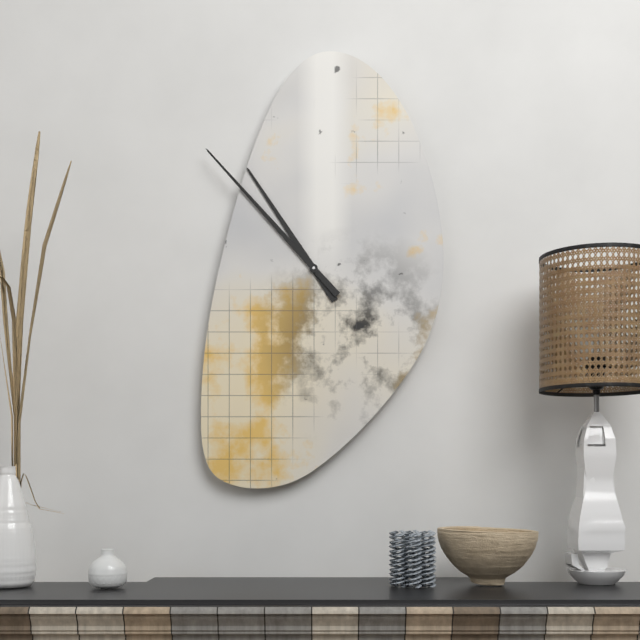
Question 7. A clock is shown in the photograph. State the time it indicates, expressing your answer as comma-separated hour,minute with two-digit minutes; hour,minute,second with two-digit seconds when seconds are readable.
10,53
